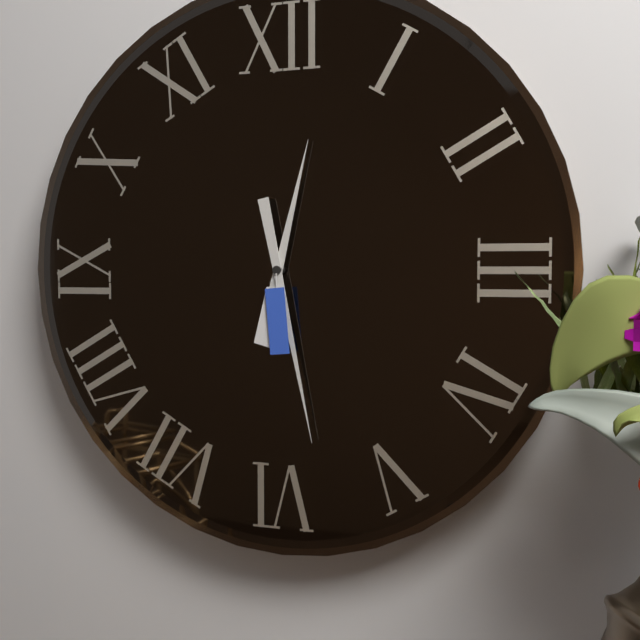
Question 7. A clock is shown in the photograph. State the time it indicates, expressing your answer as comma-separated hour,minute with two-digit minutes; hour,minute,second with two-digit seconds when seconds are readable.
12,28
